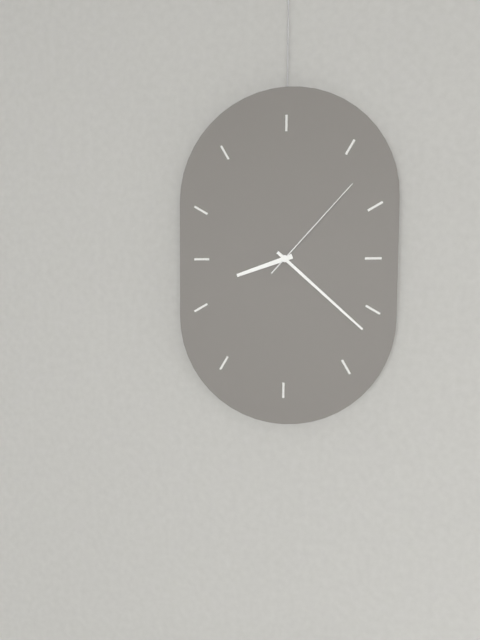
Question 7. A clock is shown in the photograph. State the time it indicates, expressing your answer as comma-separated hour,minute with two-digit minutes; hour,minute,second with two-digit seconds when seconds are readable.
8,22,07
